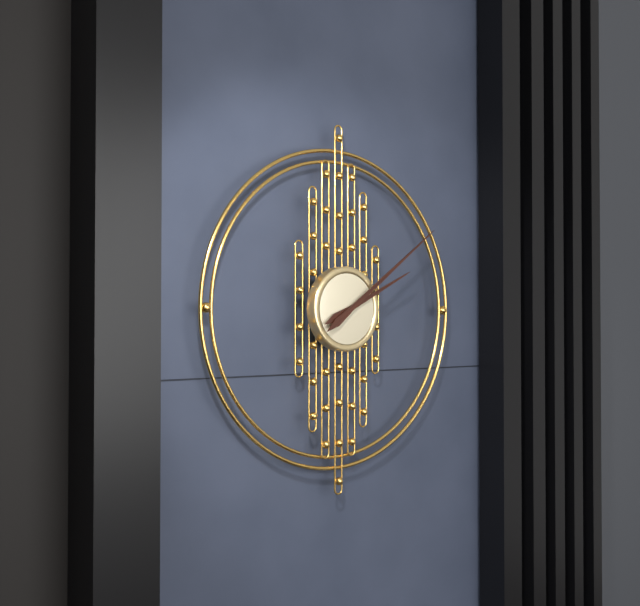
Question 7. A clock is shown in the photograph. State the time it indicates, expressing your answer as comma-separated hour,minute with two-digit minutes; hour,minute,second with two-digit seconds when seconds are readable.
2,09
